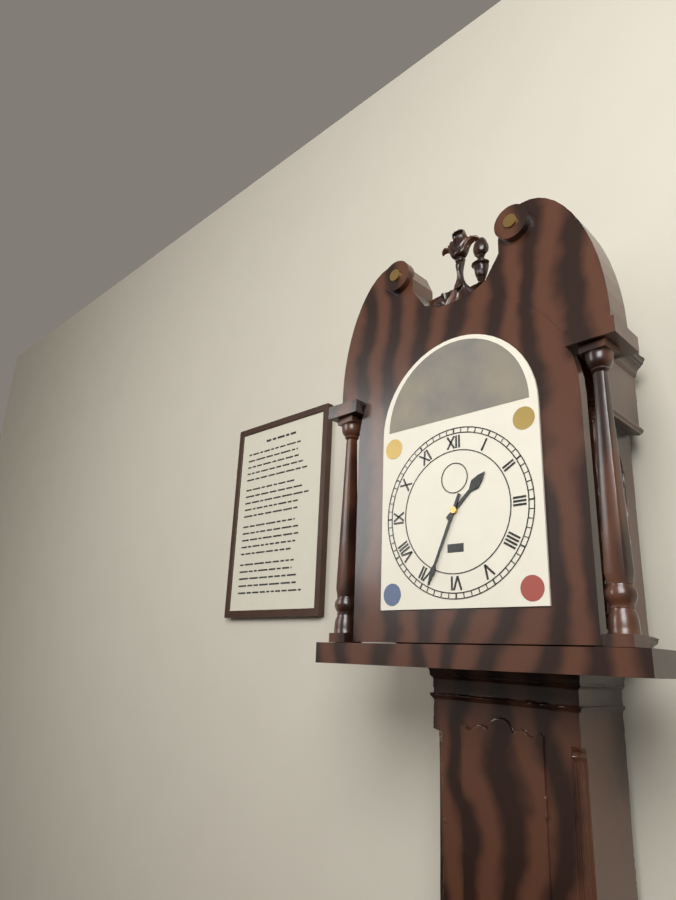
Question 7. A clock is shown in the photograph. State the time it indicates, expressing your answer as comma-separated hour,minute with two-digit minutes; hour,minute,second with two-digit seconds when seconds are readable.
1,34
